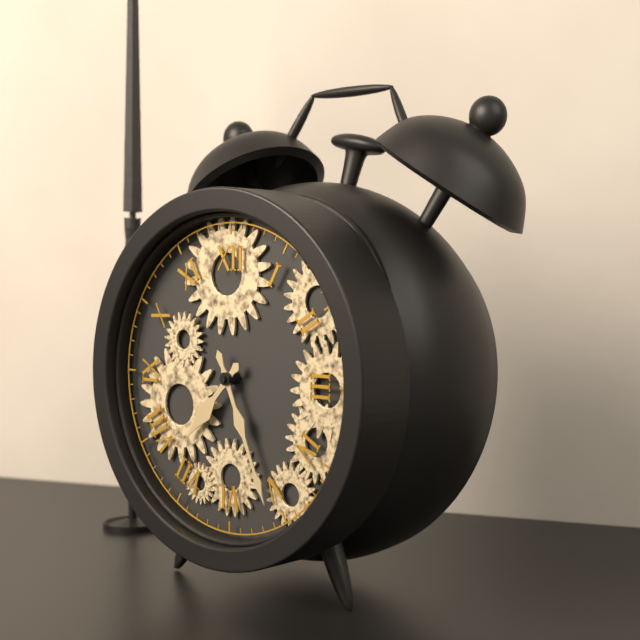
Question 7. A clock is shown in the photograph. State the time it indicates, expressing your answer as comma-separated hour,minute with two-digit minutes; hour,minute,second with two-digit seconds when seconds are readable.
7,26
